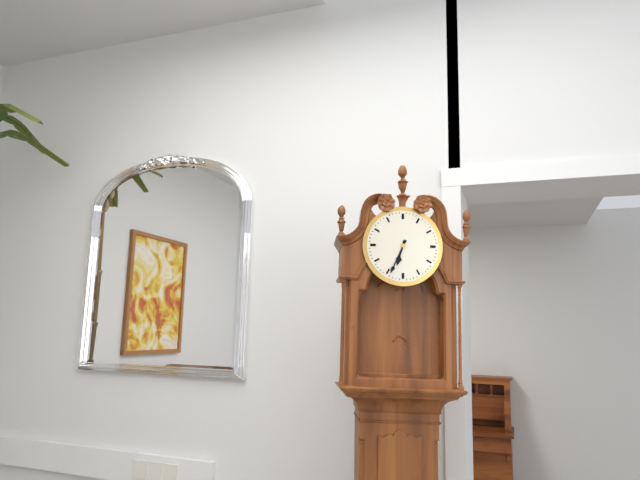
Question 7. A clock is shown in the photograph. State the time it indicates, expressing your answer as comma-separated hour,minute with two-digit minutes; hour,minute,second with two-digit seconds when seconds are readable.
6,34
